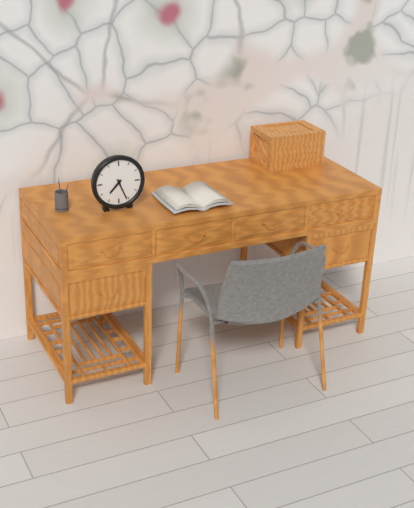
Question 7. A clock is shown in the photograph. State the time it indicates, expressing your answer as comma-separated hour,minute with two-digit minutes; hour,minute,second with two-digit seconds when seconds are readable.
7,26
